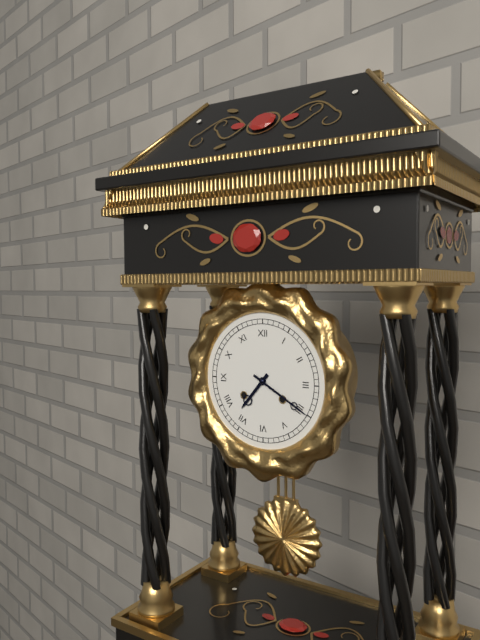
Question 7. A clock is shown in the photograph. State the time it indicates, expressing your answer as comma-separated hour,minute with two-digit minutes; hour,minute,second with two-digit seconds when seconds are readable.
7,20
